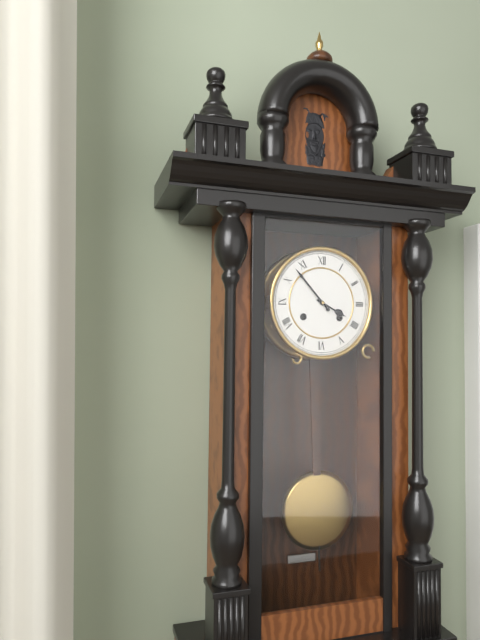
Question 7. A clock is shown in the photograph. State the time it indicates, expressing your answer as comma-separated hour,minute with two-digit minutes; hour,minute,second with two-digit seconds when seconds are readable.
3,53
